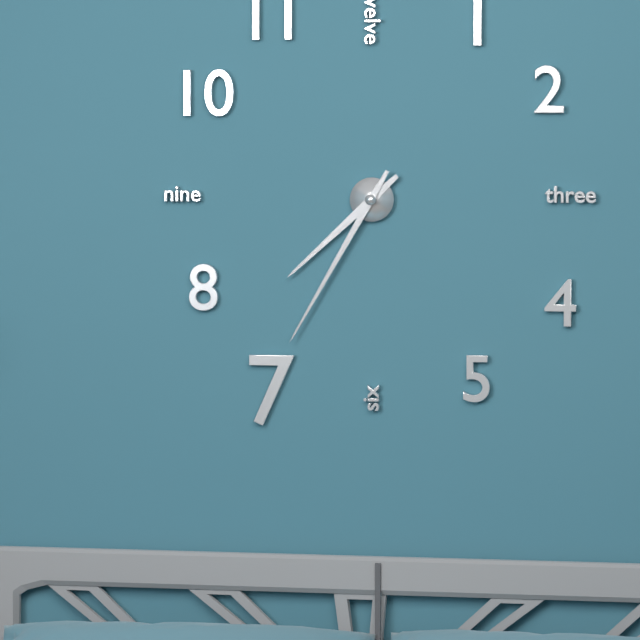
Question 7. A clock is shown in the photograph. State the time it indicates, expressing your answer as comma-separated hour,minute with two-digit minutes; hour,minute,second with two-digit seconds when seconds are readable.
7,35
